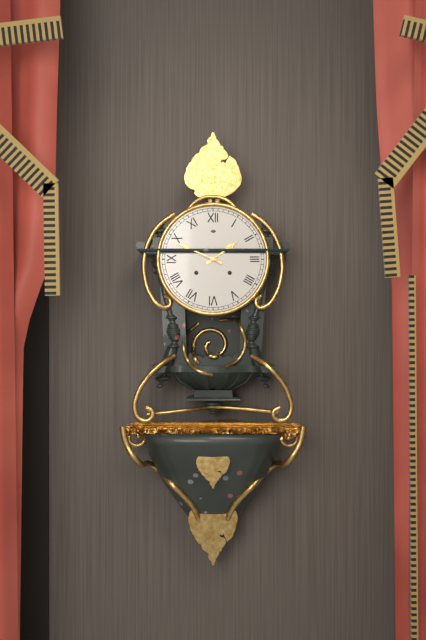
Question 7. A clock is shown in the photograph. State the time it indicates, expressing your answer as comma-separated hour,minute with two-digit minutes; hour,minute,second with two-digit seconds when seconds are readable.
1,49
